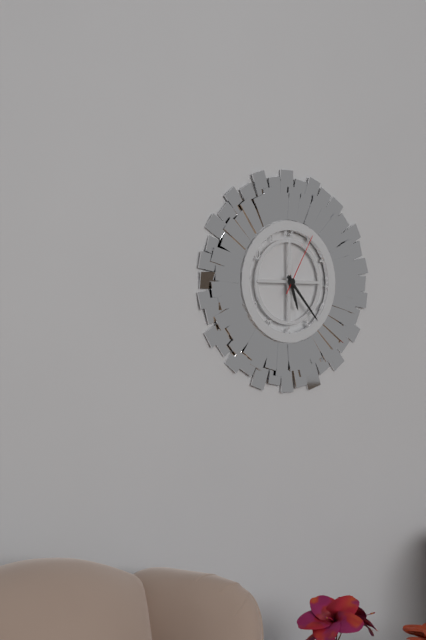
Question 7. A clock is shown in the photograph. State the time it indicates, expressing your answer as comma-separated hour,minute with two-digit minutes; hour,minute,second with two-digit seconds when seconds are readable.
5,23,05
